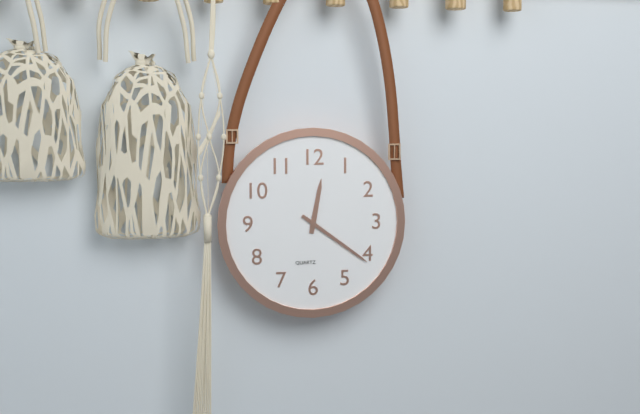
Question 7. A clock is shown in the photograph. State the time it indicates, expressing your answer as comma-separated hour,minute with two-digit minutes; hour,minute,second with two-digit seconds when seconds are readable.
12,21
